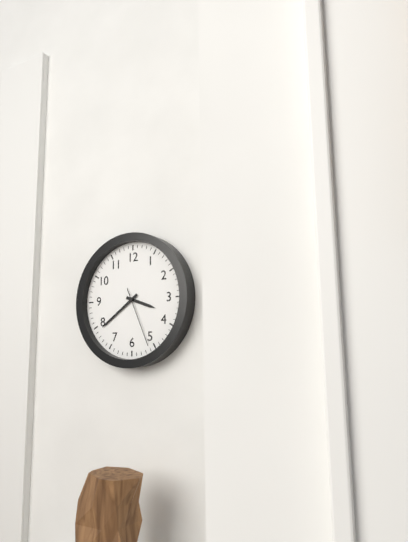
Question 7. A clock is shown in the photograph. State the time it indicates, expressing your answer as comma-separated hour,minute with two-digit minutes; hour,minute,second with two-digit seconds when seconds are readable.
3,39,26
